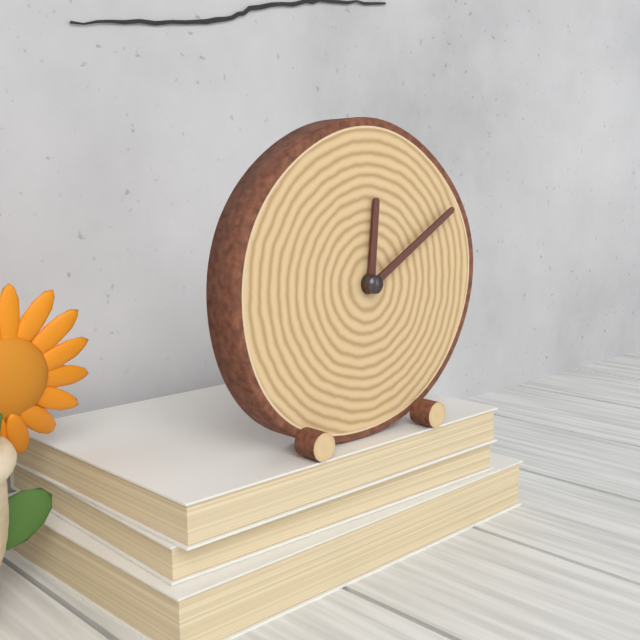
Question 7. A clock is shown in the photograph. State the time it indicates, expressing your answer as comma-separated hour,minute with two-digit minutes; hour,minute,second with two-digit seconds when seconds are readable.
12,10
